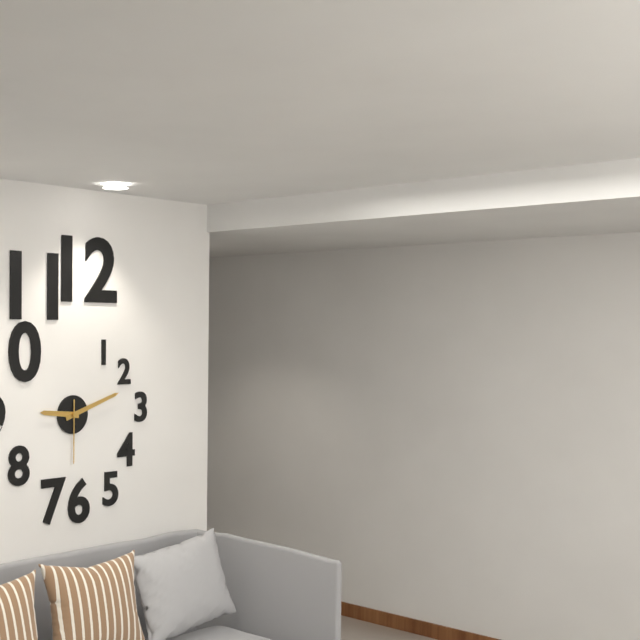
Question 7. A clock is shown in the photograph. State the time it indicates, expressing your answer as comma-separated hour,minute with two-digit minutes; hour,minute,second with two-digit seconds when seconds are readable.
9,12,30
